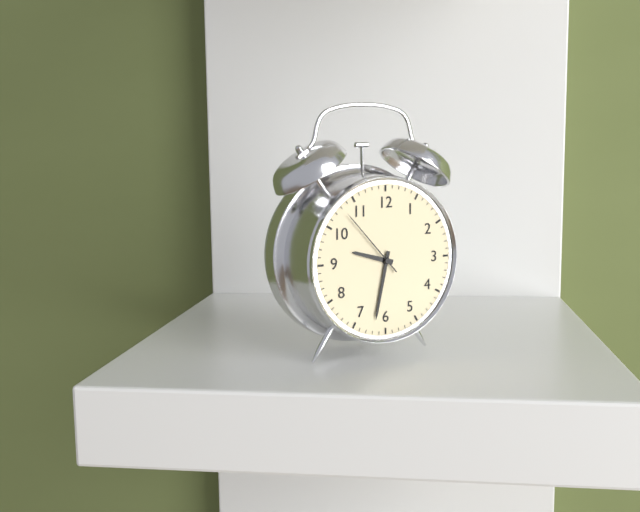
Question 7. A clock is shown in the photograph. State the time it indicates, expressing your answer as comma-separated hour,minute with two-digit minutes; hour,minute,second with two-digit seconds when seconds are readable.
9,32,53
